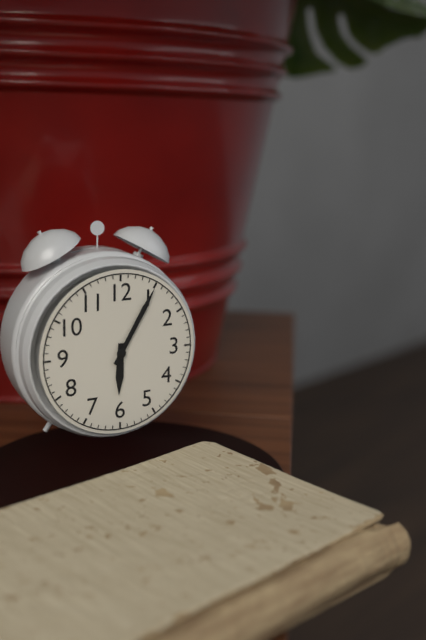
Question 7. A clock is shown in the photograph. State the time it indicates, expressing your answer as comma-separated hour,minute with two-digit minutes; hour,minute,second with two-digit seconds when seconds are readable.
6,05
